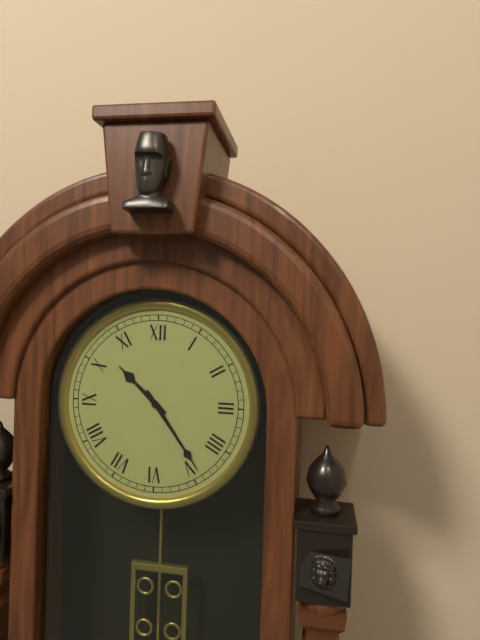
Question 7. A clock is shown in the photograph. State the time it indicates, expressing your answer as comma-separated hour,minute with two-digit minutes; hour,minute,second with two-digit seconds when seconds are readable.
10,24
